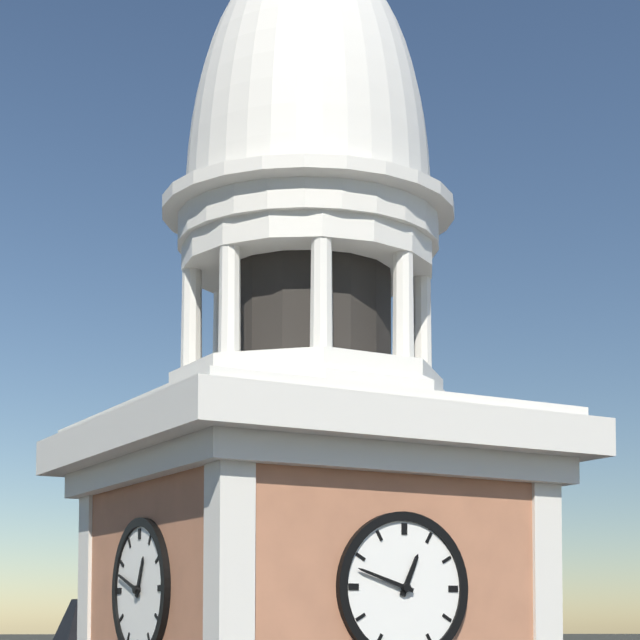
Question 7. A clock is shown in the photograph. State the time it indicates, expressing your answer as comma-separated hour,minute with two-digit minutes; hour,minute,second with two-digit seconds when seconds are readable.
12,48
